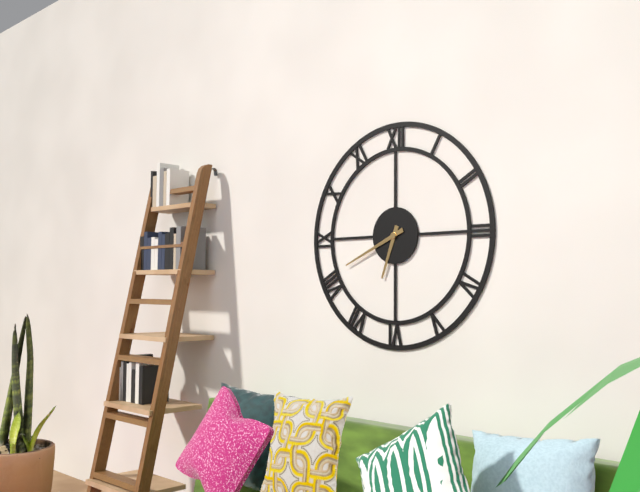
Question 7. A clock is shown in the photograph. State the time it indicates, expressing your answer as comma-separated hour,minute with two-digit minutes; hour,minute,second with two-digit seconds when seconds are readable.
6,41
